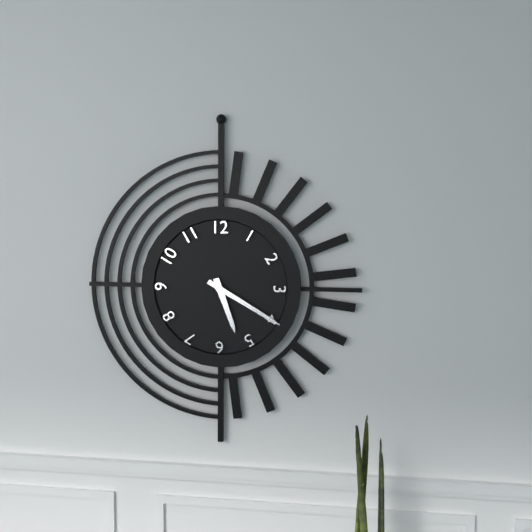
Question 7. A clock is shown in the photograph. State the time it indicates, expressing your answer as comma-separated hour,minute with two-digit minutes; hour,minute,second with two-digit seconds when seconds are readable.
5,20
